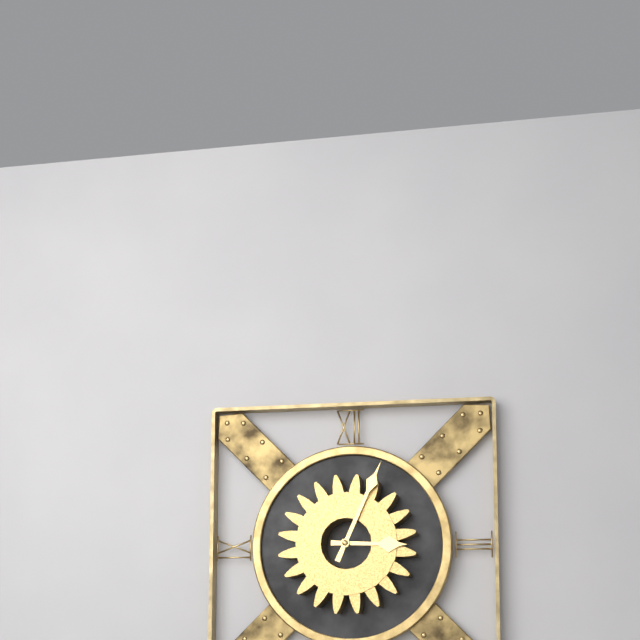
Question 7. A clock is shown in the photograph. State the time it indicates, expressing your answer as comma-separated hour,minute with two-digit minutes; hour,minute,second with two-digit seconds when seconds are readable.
3,04
